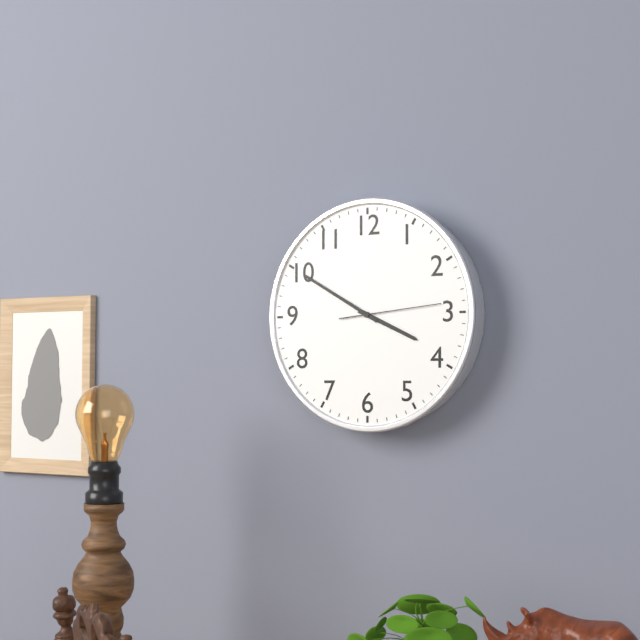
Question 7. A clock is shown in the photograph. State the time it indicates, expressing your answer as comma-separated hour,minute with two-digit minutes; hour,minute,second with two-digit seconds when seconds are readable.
3,50,14
